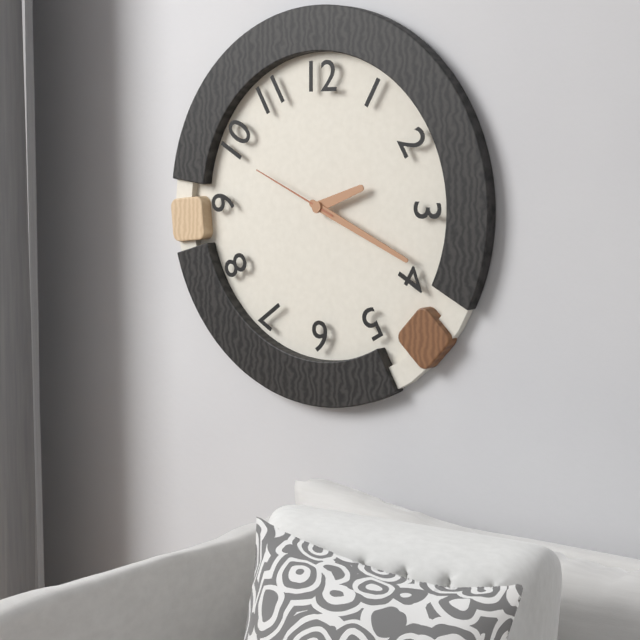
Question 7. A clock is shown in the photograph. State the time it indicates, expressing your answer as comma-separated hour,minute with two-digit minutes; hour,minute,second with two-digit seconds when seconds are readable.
2,19,49
